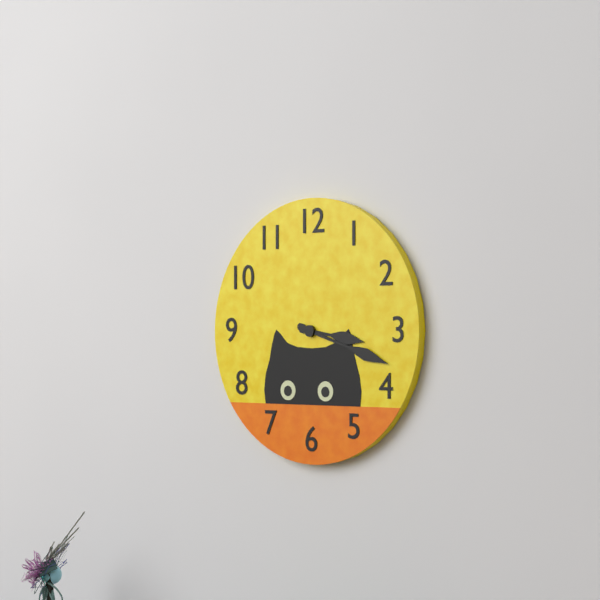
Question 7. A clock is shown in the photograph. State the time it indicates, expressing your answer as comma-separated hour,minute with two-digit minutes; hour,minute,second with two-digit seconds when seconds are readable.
3,18
